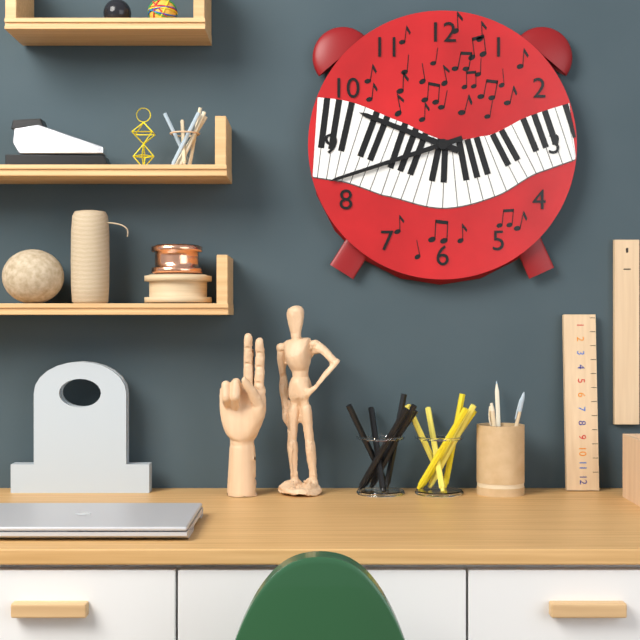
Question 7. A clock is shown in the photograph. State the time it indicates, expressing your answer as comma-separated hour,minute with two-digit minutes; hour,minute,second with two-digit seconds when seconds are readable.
9,42
